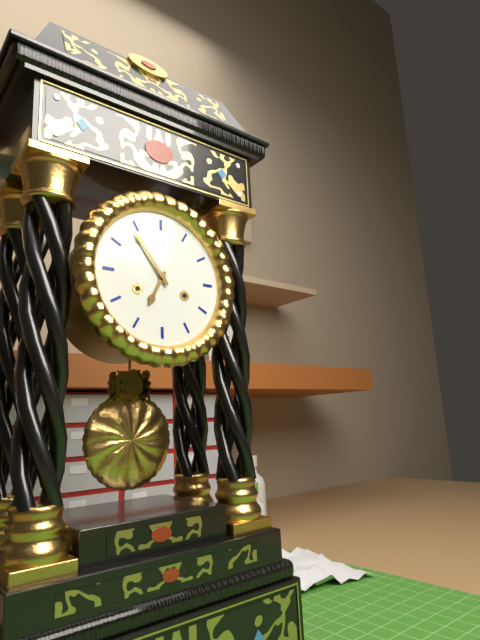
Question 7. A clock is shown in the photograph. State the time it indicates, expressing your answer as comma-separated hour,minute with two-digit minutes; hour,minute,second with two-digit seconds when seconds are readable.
6,54
